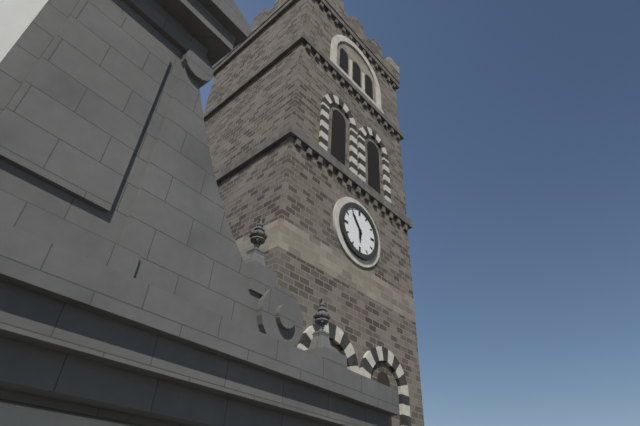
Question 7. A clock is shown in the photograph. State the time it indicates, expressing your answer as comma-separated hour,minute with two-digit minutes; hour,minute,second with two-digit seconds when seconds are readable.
5,54
